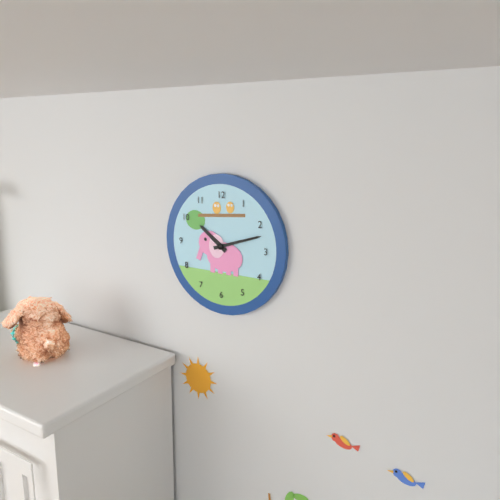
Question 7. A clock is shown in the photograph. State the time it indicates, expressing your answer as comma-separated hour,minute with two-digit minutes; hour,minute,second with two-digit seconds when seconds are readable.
10,12
